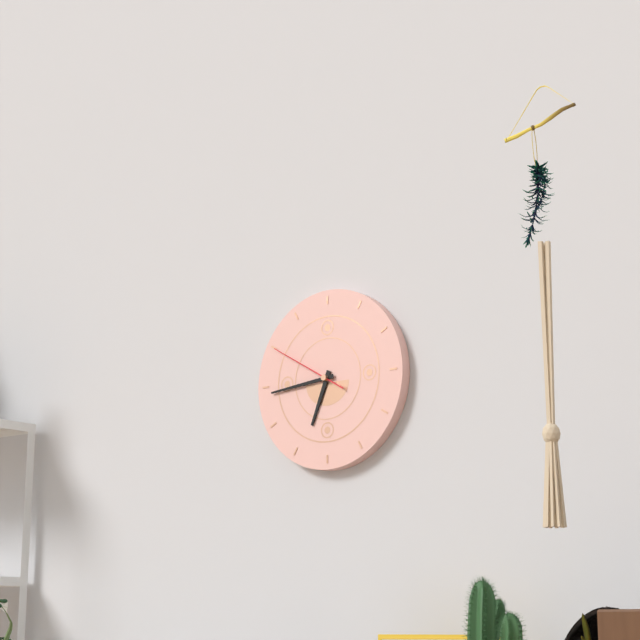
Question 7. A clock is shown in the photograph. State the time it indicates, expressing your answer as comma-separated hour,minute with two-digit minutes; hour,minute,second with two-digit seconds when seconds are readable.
6,44,50
